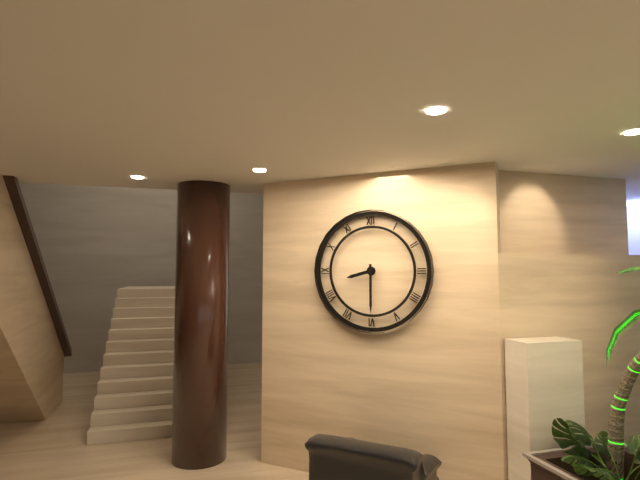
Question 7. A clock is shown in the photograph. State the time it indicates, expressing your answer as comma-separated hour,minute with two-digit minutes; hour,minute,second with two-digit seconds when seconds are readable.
8,30
